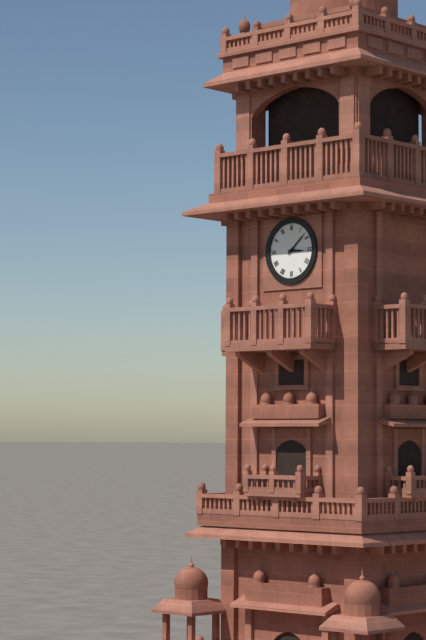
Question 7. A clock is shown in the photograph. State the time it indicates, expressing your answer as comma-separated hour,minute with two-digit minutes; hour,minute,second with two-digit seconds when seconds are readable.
3,08
